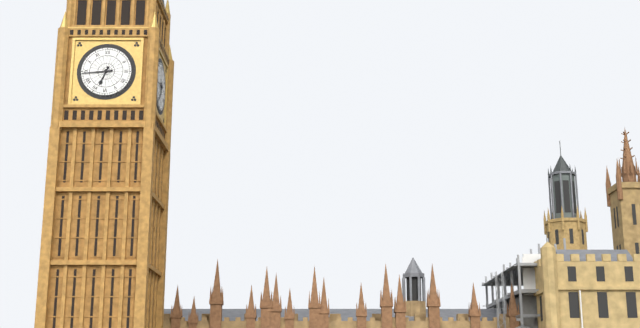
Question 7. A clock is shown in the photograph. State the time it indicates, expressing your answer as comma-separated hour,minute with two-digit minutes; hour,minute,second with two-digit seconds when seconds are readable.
6,44
